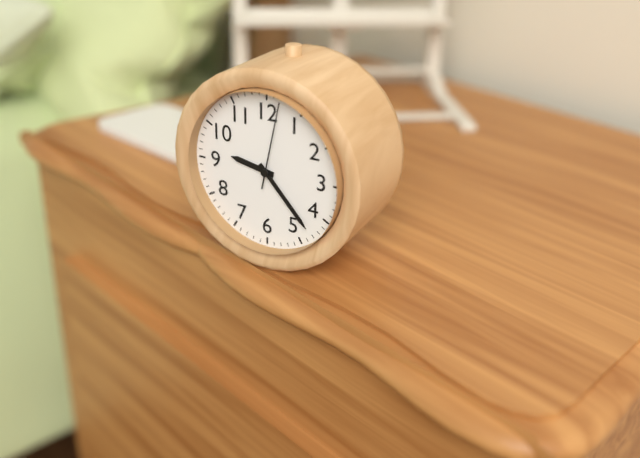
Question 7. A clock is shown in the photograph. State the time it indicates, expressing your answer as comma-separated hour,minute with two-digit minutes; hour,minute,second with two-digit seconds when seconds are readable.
9,23,02
